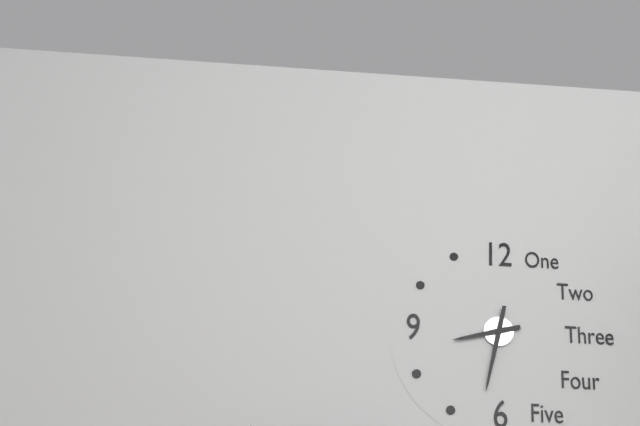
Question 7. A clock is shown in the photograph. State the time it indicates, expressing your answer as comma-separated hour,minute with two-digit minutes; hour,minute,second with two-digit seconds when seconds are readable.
8,32
